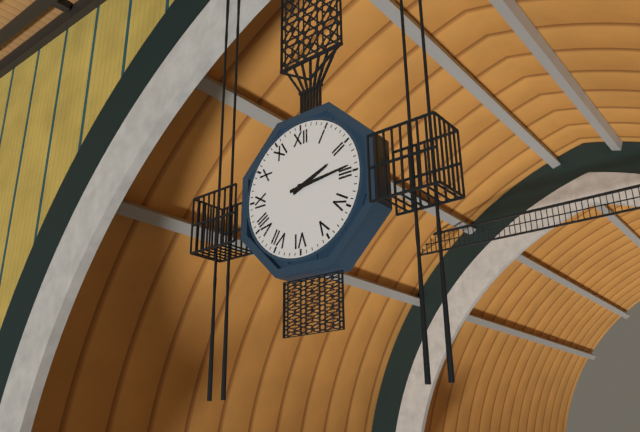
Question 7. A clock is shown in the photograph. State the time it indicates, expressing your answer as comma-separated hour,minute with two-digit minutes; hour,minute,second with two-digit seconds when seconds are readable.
2,14
